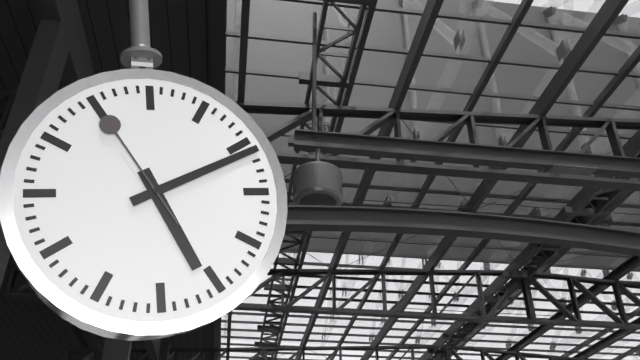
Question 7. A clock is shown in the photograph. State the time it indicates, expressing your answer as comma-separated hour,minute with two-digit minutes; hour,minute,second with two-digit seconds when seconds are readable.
5,11,55
